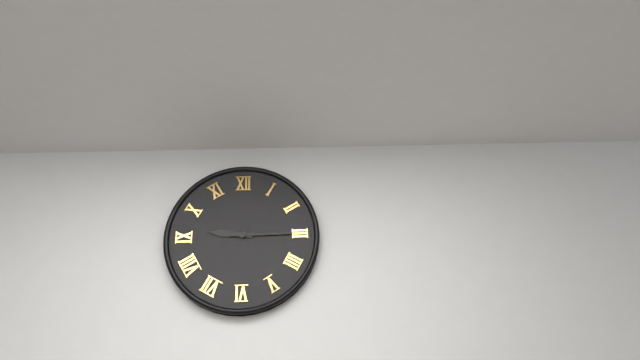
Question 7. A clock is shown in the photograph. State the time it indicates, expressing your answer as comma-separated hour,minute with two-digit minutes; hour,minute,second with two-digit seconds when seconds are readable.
9,15
